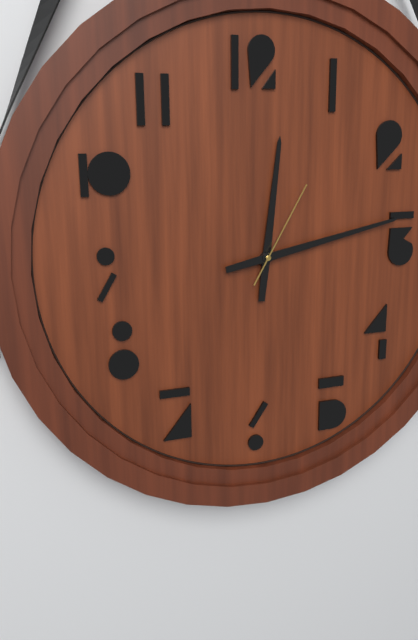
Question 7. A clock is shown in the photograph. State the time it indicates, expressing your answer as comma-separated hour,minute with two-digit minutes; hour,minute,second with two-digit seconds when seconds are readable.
12,13,05
